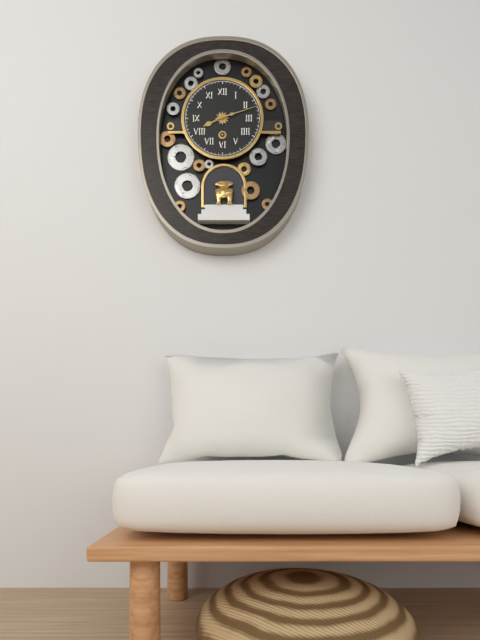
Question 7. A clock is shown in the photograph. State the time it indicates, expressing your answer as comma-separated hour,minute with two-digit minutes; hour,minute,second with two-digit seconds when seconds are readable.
8,12
